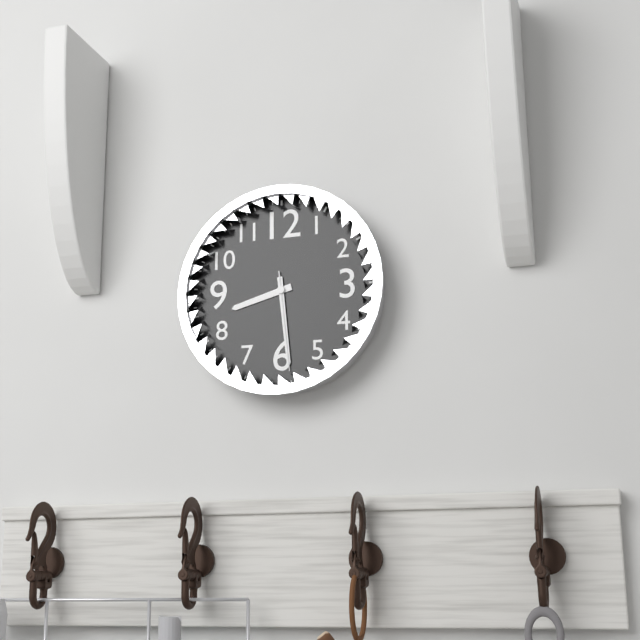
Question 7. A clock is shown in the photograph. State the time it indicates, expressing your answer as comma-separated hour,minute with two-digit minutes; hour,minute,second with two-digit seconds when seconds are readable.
8,29,29
